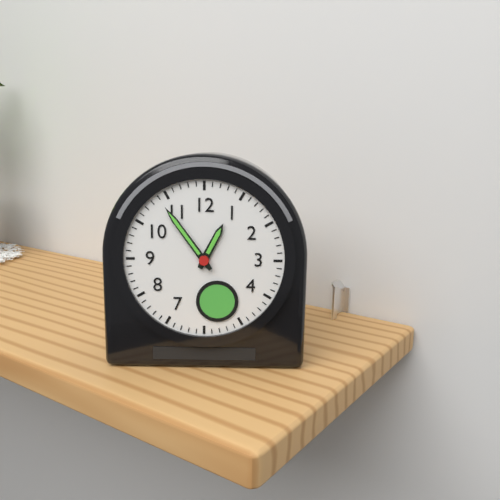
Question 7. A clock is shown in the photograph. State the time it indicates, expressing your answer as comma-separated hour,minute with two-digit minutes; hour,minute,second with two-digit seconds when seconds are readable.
12,54
